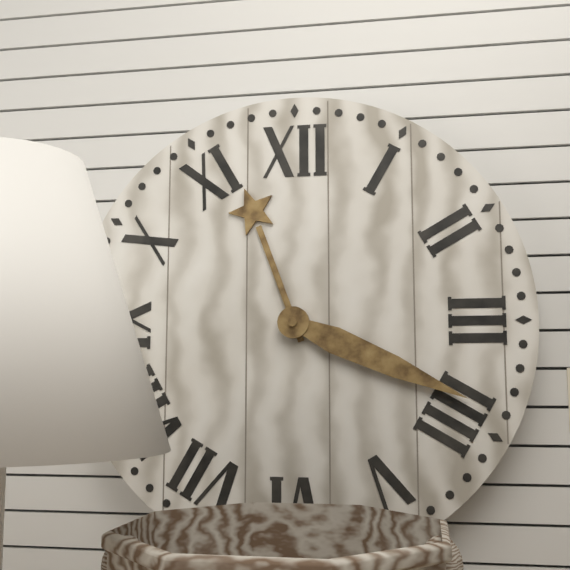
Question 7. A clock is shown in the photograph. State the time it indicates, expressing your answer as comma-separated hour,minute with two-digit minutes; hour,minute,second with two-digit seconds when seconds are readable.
11,19
